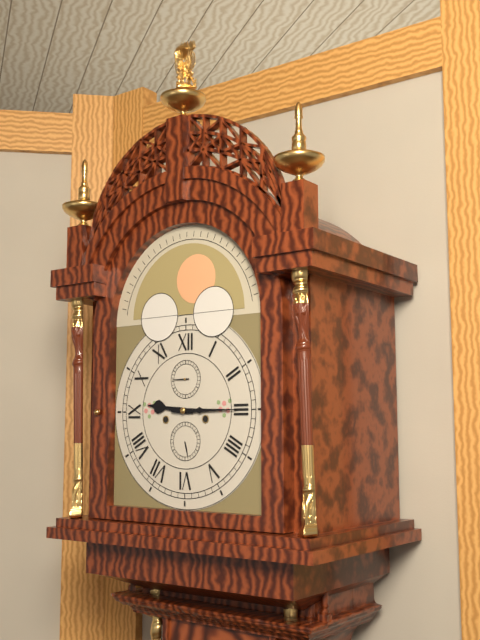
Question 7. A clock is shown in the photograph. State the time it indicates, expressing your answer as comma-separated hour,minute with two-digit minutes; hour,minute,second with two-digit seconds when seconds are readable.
9,15
